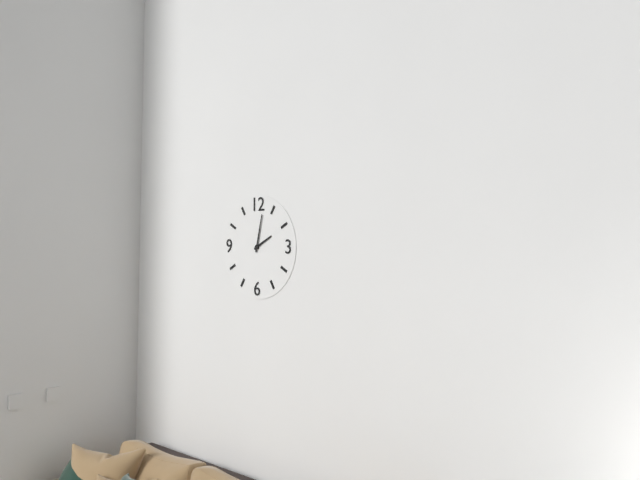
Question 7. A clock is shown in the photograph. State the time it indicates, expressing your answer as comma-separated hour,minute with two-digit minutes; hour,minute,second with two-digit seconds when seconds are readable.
2,02
